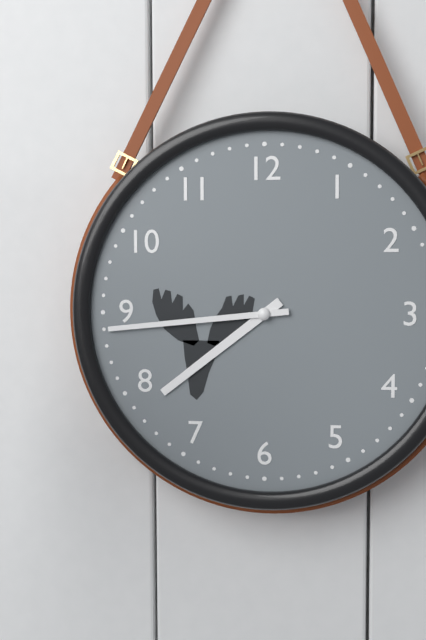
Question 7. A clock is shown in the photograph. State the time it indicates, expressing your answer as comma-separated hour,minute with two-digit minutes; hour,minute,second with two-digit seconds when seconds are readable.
7,44
